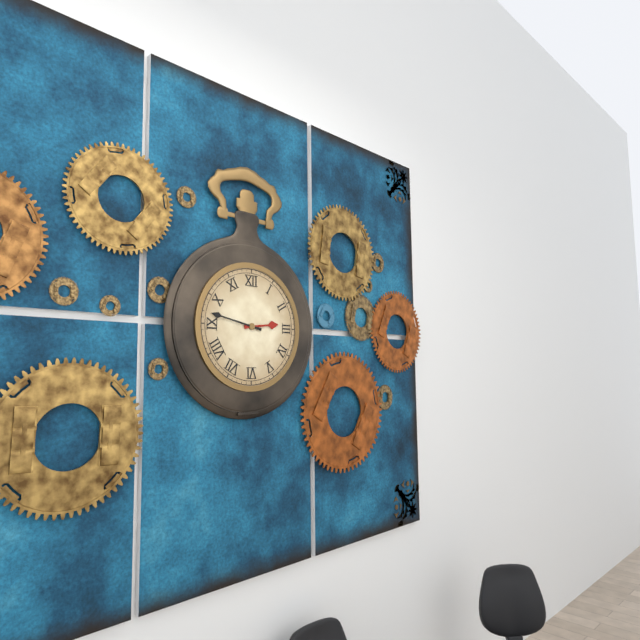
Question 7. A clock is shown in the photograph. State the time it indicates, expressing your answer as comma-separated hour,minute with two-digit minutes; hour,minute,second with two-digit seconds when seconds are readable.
2,47
